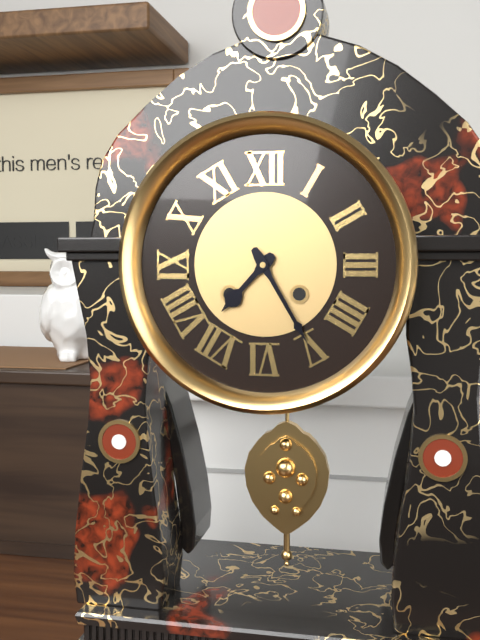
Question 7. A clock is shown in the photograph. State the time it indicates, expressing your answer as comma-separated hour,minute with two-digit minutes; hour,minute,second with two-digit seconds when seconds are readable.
7,25
